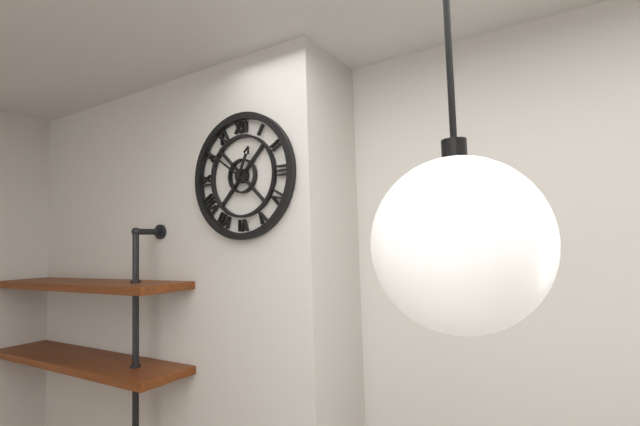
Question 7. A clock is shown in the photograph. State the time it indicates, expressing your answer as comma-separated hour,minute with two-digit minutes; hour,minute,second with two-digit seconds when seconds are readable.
12,51
